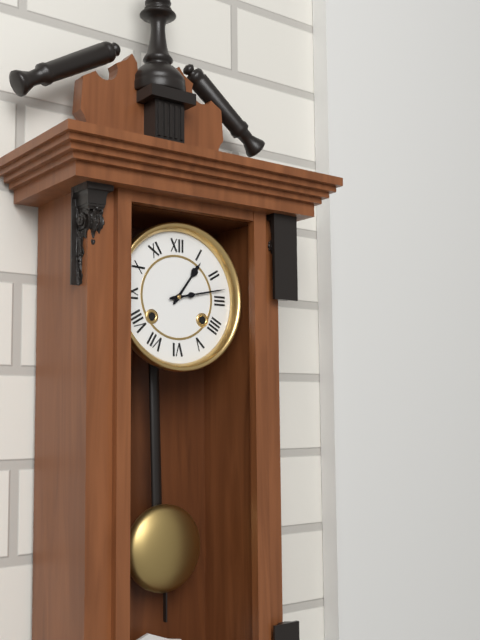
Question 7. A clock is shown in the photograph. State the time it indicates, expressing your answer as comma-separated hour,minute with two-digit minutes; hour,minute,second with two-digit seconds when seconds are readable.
1,13
